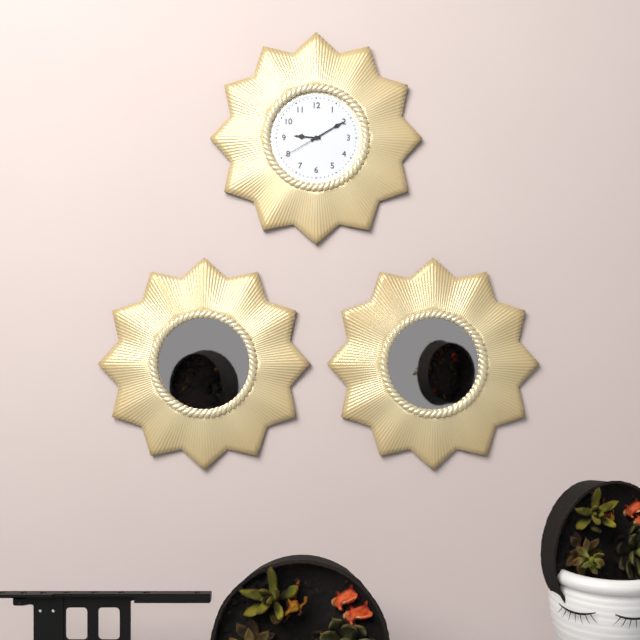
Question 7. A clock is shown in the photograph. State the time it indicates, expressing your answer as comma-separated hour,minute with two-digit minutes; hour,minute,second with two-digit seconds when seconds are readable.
9,10
